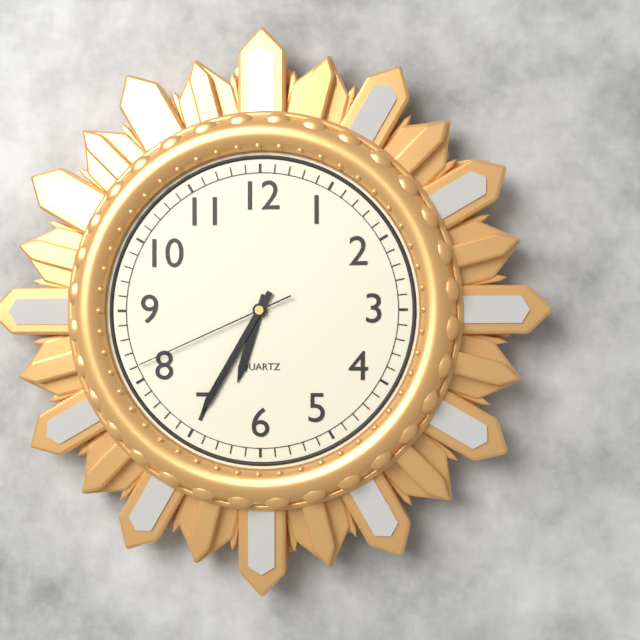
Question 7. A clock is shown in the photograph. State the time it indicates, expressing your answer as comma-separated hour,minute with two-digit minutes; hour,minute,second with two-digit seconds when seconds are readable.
6,35,41
